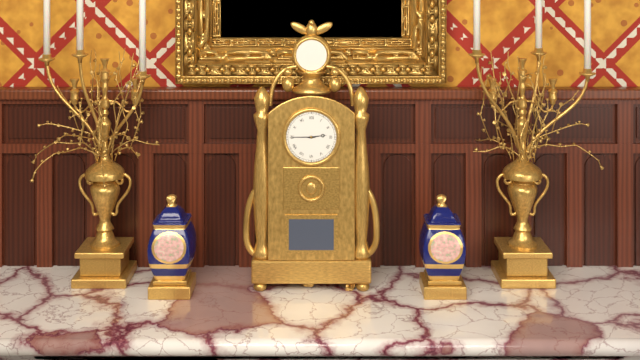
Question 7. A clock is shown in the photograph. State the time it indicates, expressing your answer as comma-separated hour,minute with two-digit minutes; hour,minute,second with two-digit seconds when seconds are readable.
2,45
